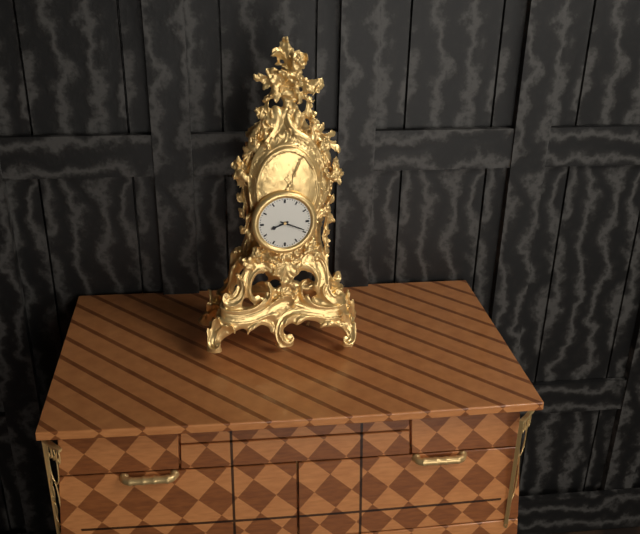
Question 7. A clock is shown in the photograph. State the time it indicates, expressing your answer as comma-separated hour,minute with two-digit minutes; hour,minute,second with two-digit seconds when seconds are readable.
8,19
